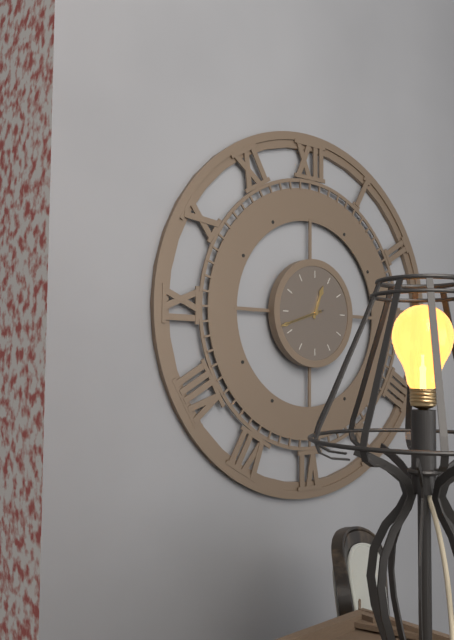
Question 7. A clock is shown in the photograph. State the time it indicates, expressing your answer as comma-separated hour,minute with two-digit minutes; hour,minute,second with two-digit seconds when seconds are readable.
12,42
